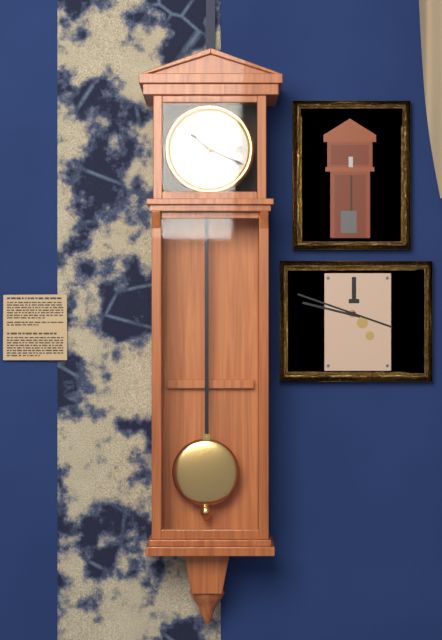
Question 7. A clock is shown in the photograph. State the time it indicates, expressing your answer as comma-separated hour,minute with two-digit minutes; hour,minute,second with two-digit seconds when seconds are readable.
10,19
